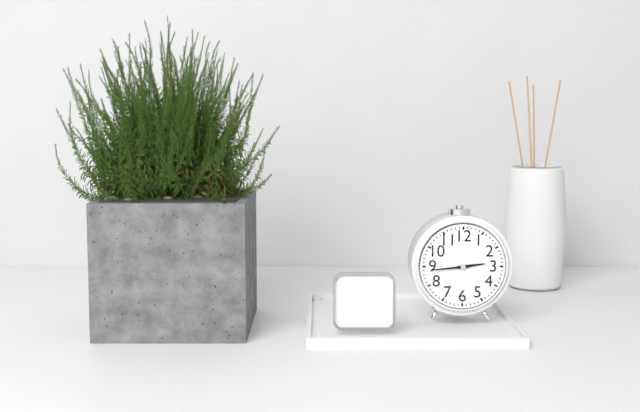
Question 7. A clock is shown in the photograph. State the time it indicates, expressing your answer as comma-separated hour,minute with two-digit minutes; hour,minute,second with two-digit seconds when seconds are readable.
2,44
